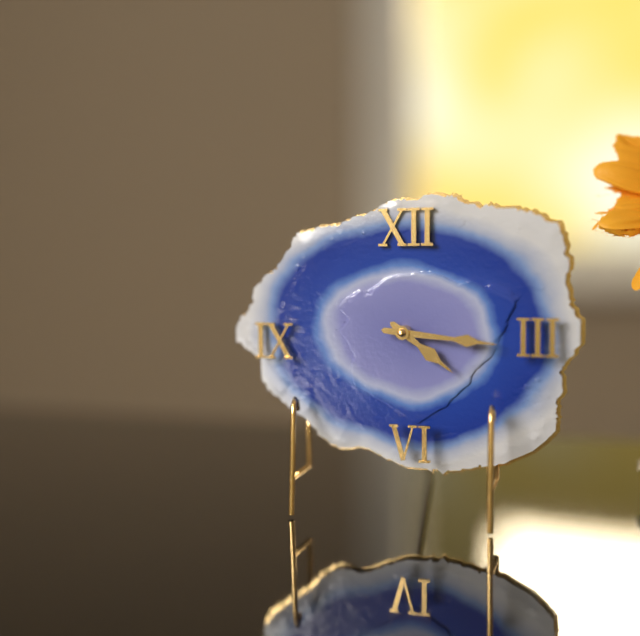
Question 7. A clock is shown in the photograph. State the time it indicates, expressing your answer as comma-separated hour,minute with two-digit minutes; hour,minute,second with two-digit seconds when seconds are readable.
4,16
